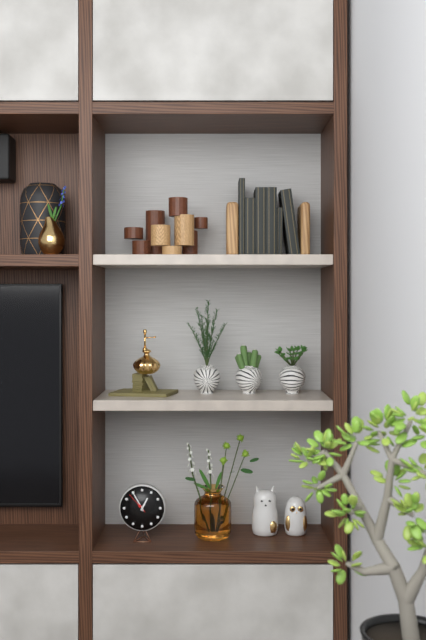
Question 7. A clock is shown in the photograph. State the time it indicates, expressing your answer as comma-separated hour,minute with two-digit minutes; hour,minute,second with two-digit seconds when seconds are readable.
12,55
